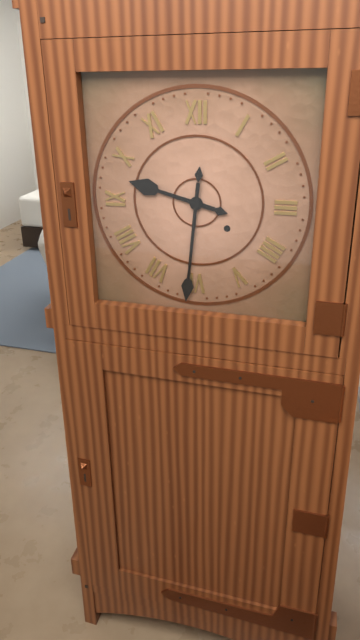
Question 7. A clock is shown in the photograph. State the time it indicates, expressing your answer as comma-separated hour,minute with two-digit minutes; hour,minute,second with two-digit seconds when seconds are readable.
9,31
